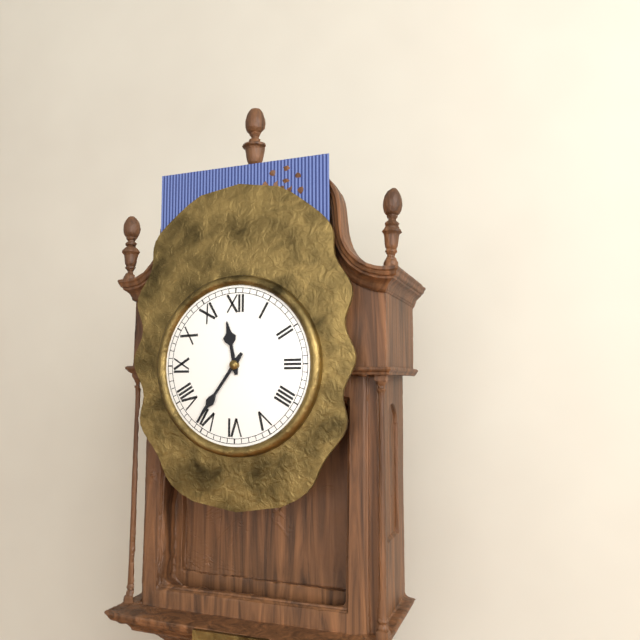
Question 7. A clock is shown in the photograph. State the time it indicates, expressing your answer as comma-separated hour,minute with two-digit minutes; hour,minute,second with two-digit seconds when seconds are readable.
11,36
